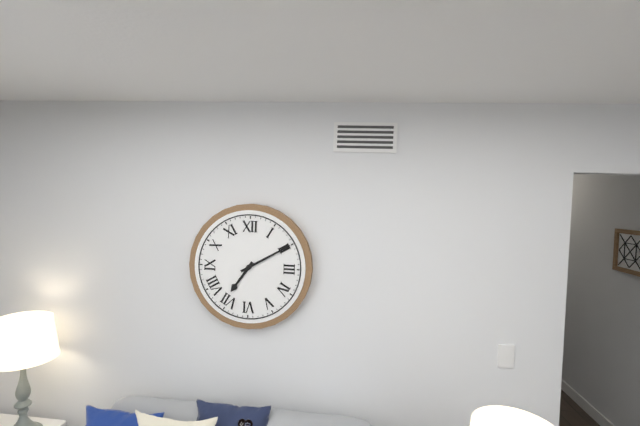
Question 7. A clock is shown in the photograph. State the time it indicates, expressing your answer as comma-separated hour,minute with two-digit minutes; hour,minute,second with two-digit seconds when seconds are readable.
7,10
